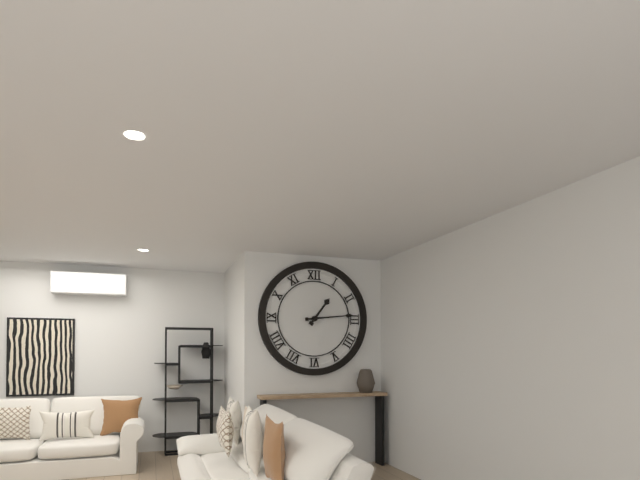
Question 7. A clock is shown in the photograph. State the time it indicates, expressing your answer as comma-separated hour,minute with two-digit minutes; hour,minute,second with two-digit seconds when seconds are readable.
1,14
